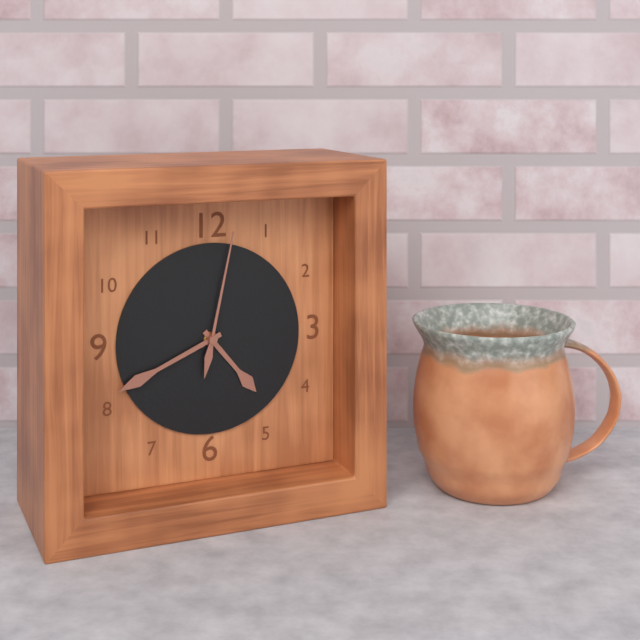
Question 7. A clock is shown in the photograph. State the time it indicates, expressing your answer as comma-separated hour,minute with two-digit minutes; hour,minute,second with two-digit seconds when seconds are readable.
4,41,02
